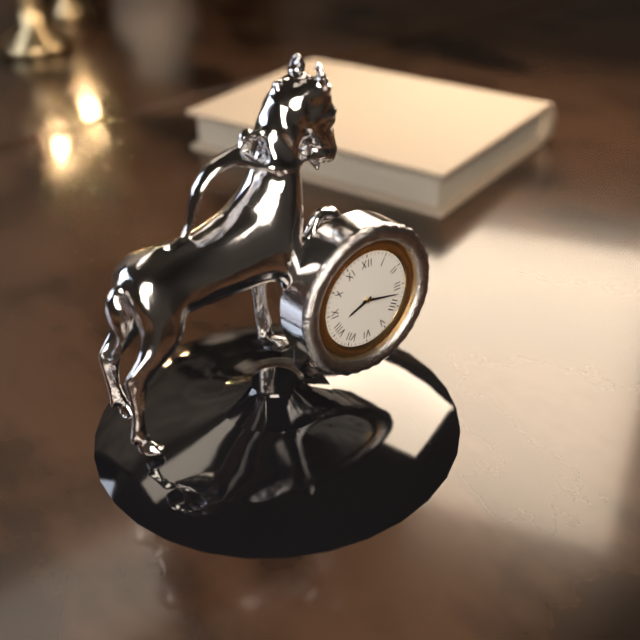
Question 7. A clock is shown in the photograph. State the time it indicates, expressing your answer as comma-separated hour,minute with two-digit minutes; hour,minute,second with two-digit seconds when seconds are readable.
8,17
